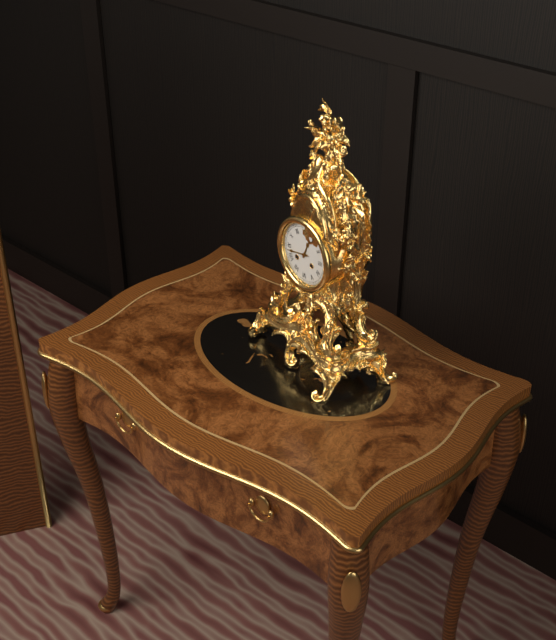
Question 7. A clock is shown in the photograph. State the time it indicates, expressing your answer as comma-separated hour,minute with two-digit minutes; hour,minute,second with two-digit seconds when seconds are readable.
12,43
